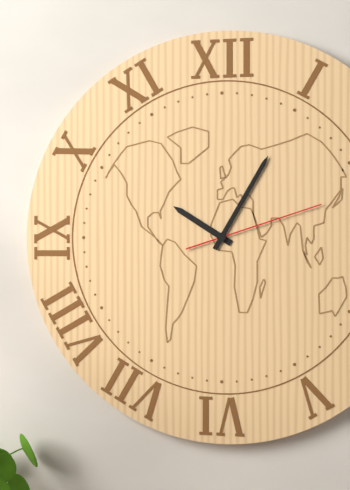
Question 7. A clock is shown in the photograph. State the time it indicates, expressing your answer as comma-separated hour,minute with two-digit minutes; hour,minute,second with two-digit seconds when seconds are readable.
10,05,12
